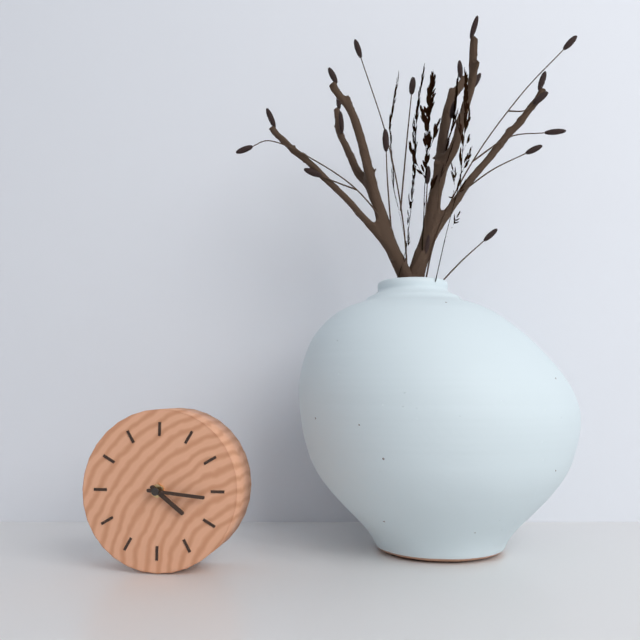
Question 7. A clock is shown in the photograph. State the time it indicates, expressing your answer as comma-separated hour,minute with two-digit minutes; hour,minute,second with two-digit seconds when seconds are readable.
4,16
